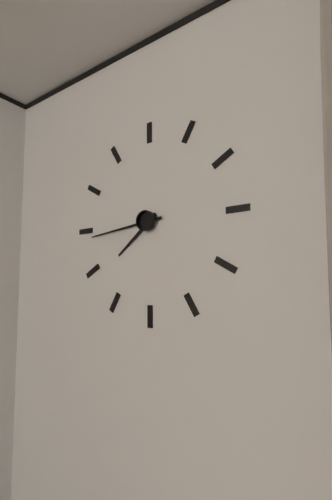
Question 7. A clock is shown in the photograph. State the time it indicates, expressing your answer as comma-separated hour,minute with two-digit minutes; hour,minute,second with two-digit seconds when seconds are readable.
7,44
